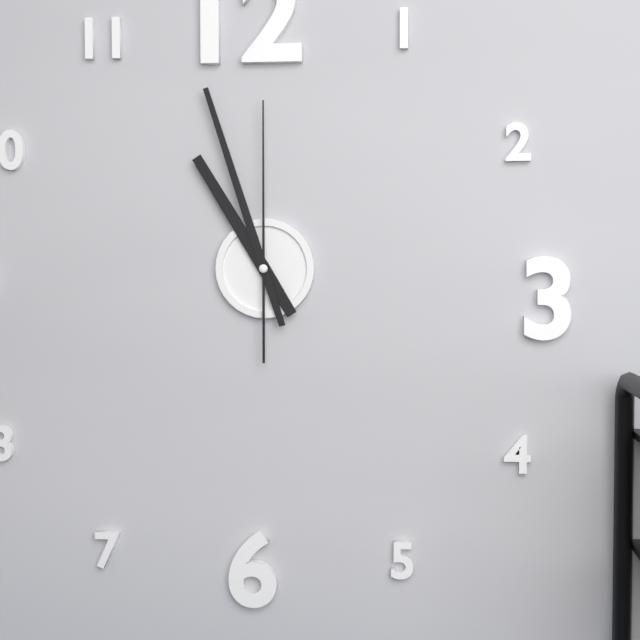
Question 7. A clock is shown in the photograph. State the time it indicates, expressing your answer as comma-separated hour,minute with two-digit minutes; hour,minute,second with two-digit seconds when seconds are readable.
10,57,00
